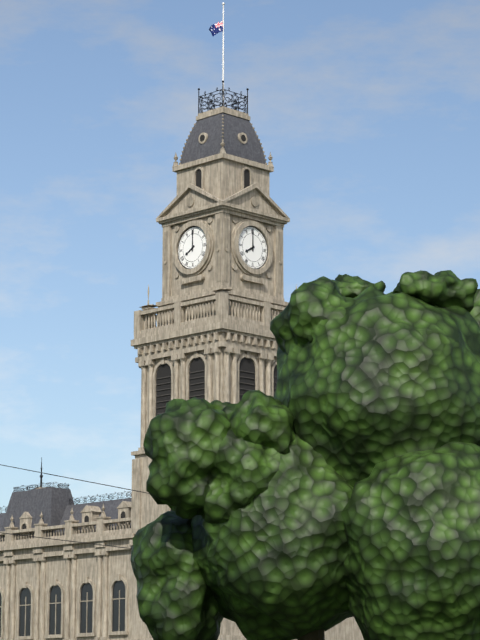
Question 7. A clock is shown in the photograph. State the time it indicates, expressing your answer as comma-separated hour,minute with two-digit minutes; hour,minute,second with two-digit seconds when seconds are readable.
8,00
